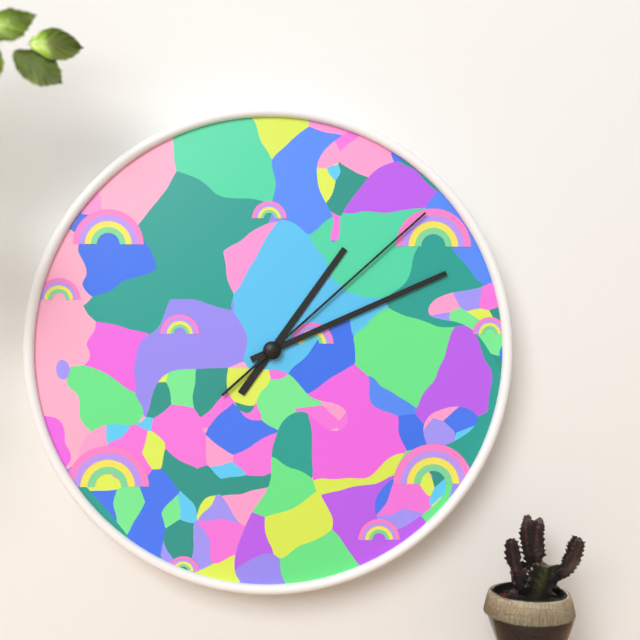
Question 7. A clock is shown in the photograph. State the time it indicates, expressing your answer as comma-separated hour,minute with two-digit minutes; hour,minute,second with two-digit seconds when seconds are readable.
1,11,08
